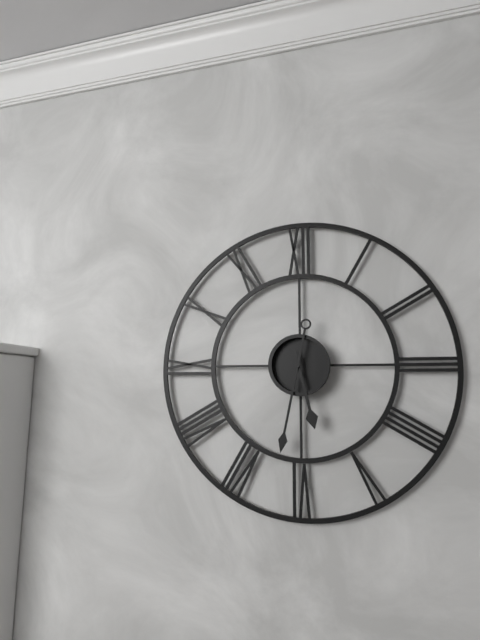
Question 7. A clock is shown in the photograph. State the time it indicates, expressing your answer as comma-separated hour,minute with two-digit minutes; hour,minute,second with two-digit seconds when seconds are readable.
5,32
